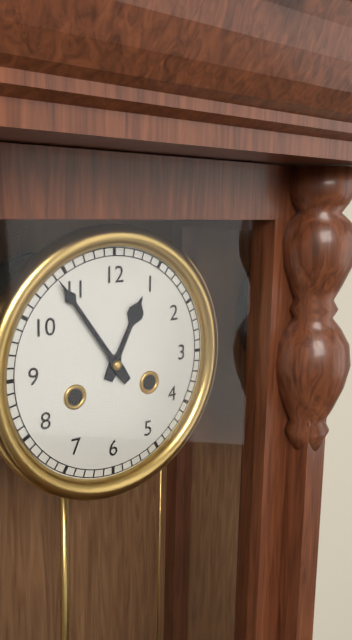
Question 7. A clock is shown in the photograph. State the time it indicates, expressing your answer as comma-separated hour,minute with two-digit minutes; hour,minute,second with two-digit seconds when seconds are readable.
12,54
